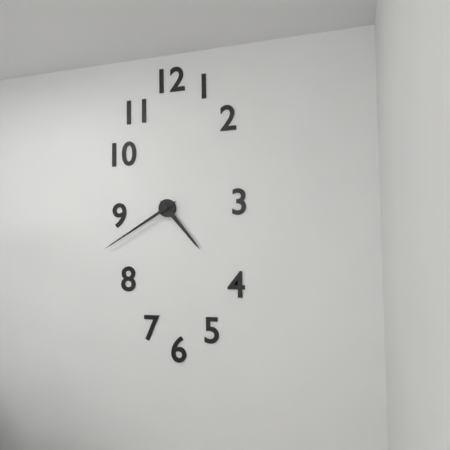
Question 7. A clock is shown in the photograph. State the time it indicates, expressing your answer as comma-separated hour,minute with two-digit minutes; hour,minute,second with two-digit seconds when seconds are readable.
4,40
